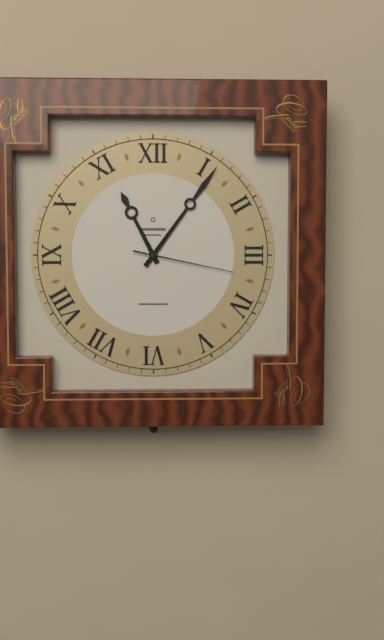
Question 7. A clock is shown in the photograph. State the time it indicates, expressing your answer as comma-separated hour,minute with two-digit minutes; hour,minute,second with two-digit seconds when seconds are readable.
11,06,17
